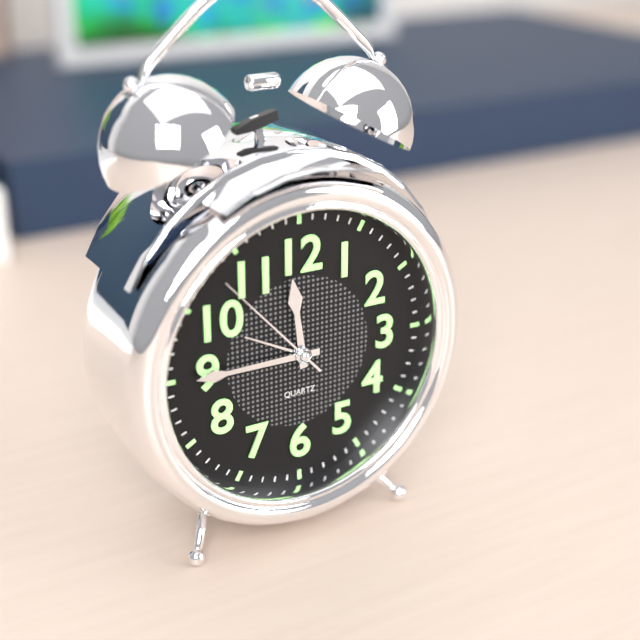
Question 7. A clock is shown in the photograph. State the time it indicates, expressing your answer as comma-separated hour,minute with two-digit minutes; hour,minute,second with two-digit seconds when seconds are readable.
11,45,53
